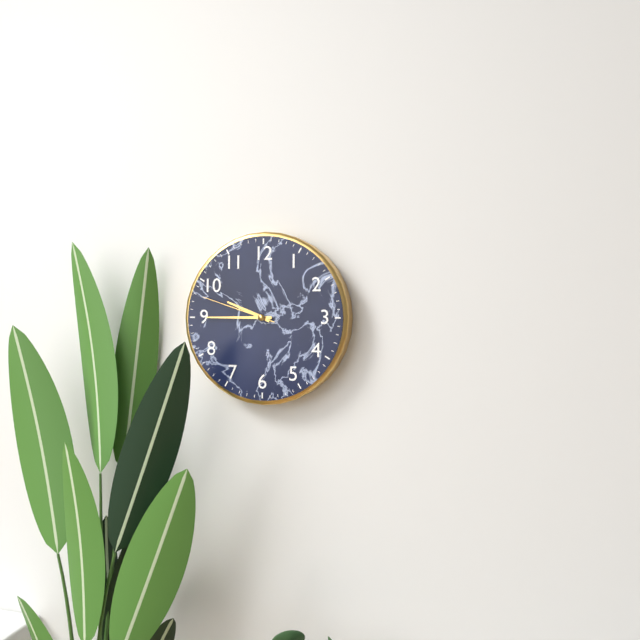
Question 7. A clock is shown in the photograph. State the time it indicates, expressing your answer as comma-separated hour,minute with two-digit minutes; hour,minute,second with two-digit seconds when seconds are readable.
9,45,48
